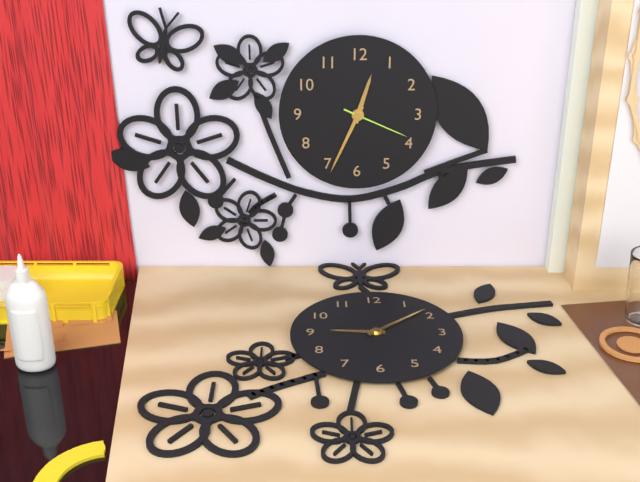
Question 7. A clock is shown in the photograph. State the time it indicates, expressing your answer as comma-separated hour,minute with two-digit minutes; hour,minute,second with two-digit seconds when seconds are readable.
12,34,19
